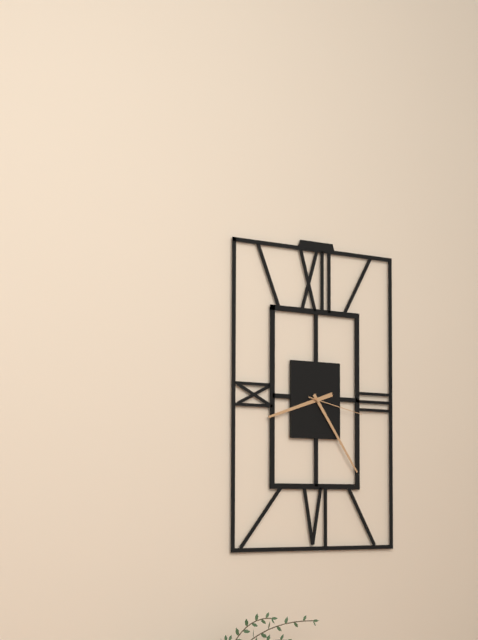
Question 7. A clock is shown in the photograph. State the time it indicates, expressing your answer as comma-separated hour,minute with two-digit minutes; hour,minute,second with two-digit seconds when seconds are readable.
8,24,17
